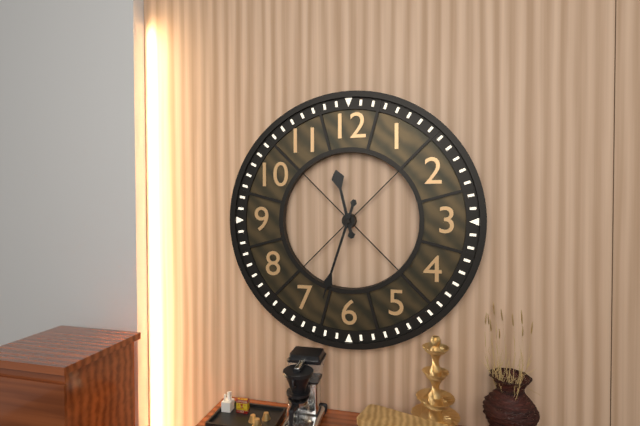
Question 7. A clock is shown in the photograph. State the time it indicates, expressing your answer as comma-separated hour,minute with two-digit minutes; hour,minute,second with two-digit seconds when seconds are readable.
11,33
